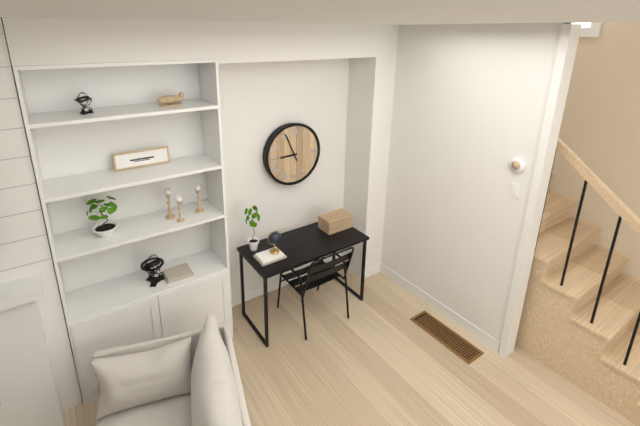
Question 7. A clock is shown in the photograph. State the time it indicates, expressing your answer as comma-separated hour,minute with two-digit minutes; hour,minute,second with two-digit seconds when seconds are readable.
8,56
